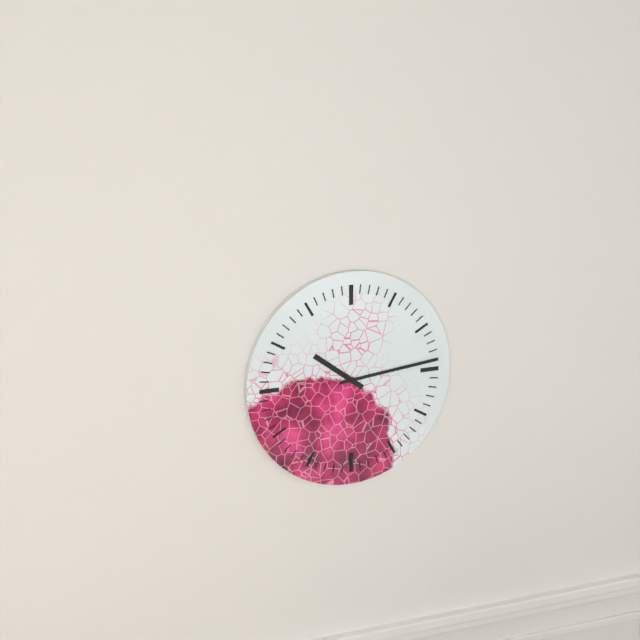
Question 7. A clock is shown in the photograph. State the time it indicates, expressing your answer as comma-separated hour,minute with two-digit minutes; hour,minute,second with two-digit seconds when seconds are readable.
10,14
